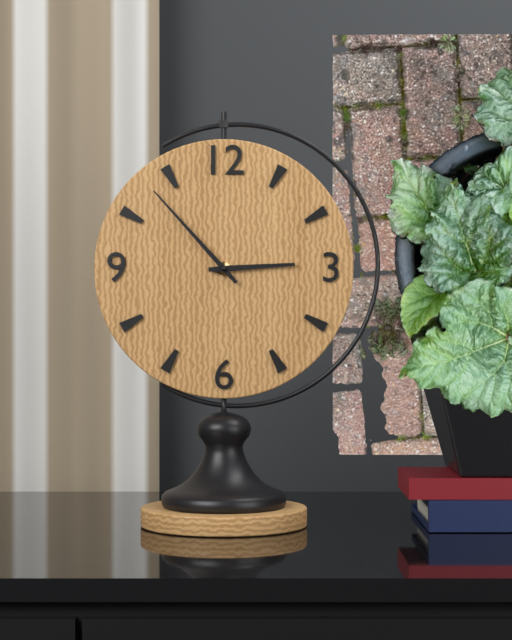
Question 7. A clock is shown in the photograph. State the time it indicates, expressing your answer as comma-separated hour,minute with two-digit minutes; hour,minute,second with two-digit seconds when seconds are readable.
2,53
